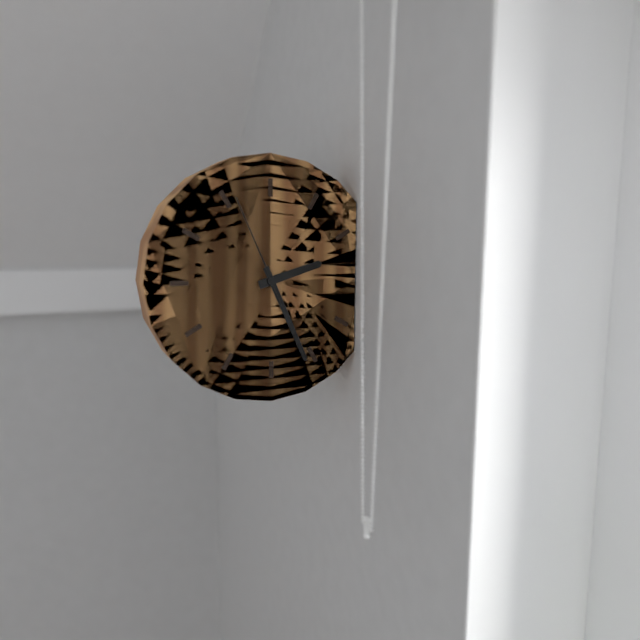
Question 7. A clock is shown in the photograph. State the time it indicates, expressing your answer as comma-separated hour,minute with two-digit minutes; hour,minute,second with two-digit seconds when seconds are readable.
2,26,56
